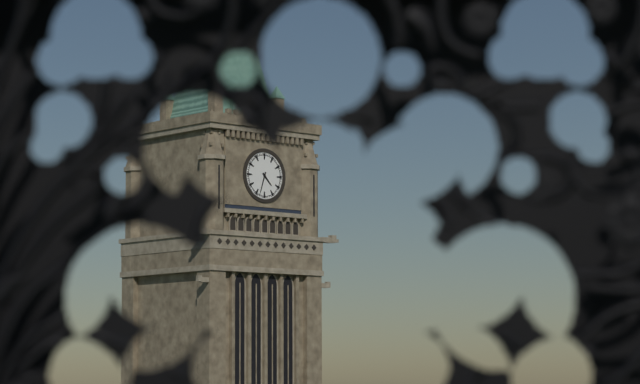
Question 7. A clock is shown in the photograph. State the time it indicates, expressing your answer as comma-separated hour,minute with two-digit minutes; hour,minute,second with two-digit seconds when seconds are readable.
4,33
